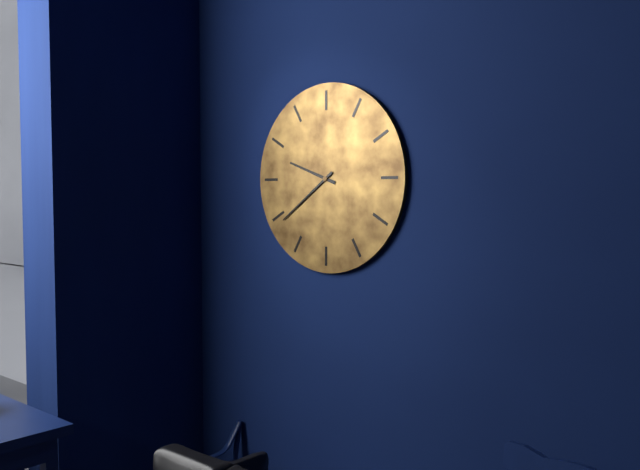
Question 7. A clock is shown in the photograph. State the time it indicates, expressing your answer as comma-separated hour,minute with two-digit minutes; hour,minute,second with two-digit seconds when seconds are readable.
9,39
